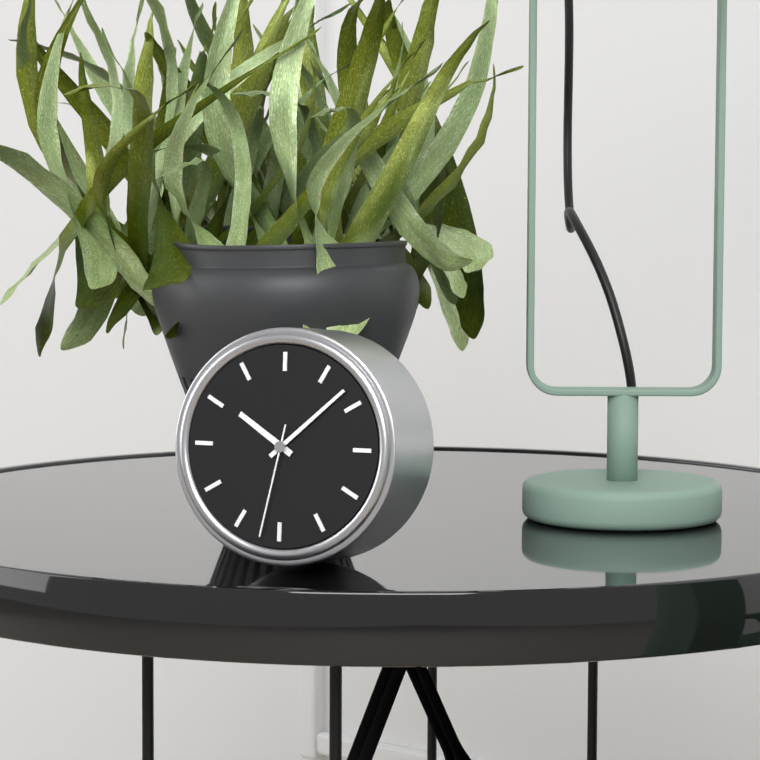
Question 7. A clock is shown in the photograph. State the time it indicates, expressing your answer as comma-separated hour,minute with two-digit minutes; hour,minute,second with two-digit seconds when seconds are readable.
10,08,32
